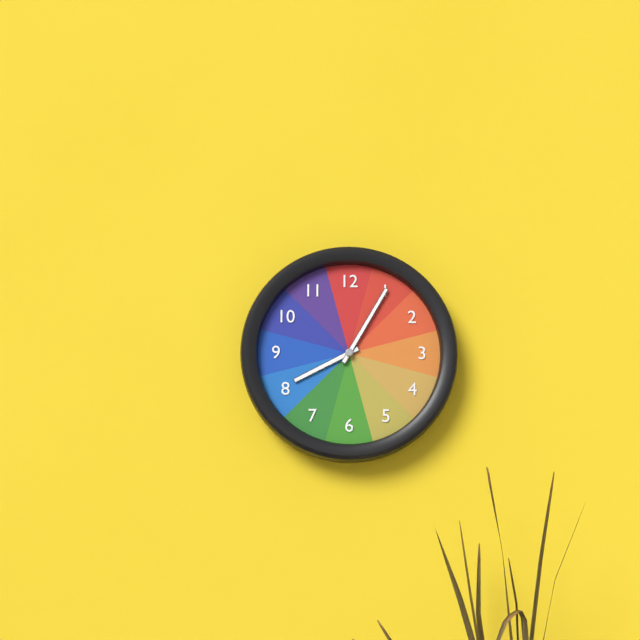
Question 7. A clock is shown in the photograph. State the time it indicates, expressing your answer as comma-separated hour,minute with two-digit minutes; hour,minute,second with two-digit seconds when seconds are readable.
8,05
